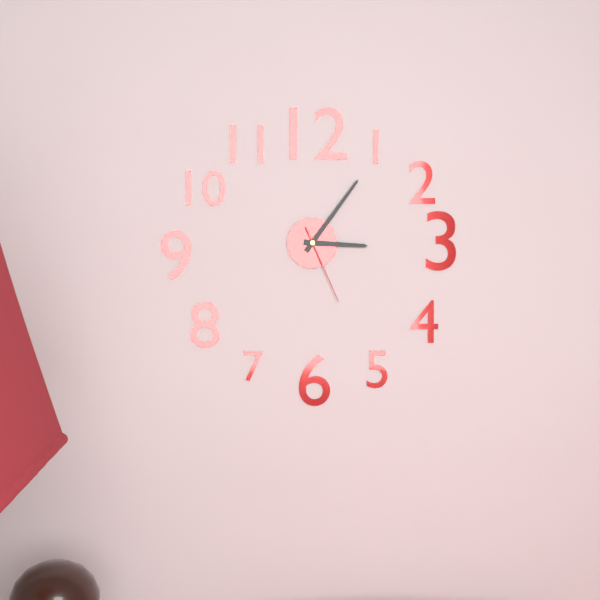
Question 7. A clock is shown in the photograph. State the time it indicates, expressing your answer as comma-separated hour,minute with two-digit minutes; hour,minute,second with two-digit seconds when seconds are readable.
3,06,26
